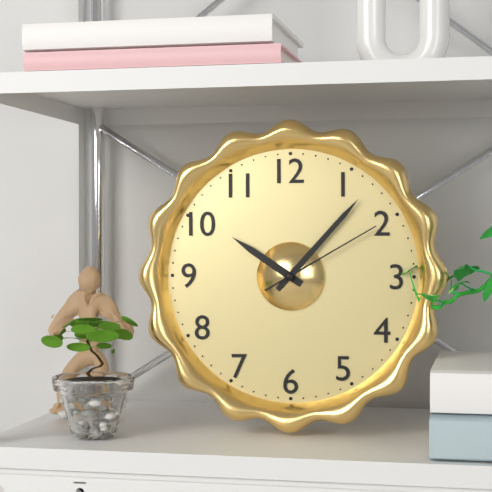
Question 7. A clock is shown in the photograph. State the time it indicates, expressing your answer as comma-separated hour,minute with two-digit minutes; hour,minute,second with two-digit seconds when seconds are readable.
10,07,10
